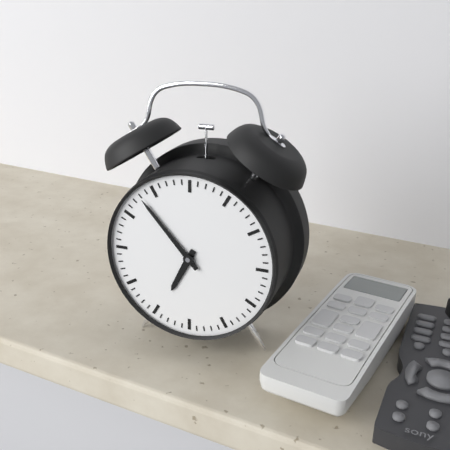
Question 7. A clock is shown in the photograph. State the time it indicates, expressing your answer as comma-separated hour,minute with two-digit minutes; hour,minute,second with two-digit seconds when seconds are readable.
6,53
